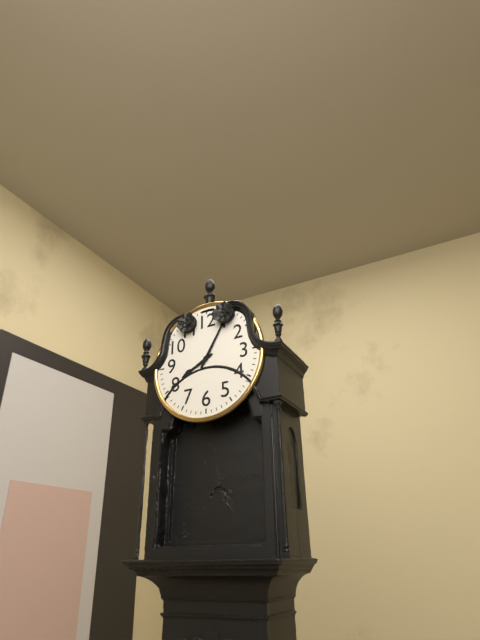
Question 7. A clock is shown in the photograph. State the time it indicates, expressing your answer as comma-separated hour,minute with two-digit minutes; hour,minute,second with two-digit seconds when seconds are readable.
8,05
